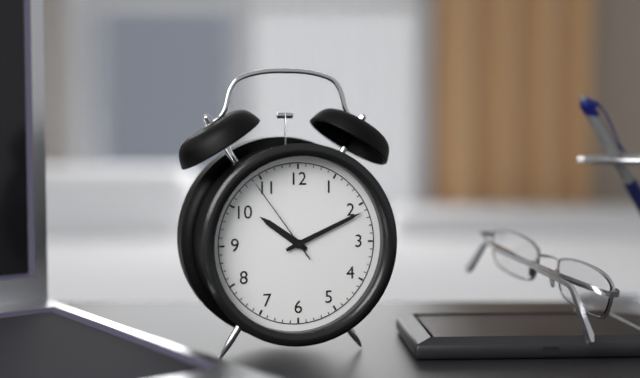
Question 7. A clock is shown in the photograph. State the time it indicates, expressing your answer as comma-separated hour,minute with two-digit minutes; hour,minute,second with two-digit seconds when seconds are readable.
10,11,54
